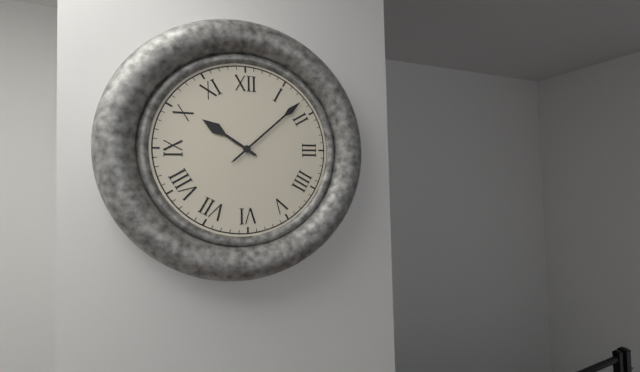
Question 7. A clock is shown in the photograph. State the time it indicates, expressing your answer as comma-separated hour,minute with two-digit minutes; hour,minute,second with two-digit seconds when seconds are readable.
10,08
